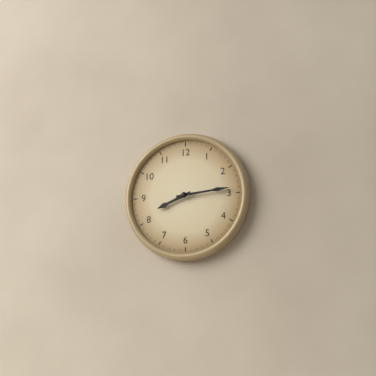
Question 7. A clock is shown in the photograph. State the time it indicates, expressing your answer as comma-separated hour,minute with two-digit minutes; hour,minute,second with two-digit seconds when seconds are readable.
8,14
